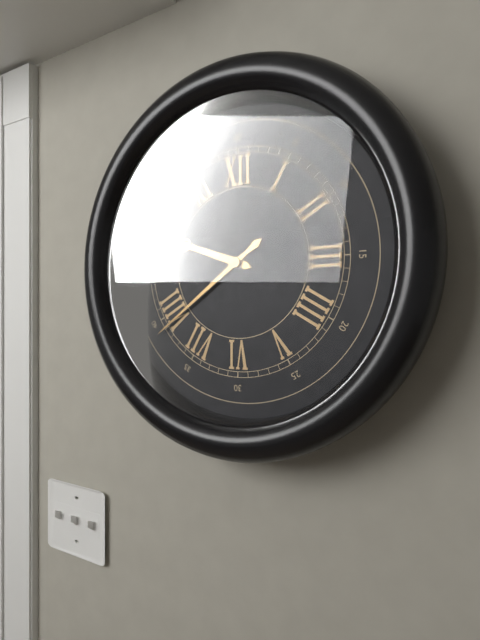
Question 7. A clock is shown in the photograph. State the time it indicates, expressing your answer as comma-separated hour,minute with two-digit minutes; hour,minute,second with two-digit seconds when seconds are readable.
9,39
